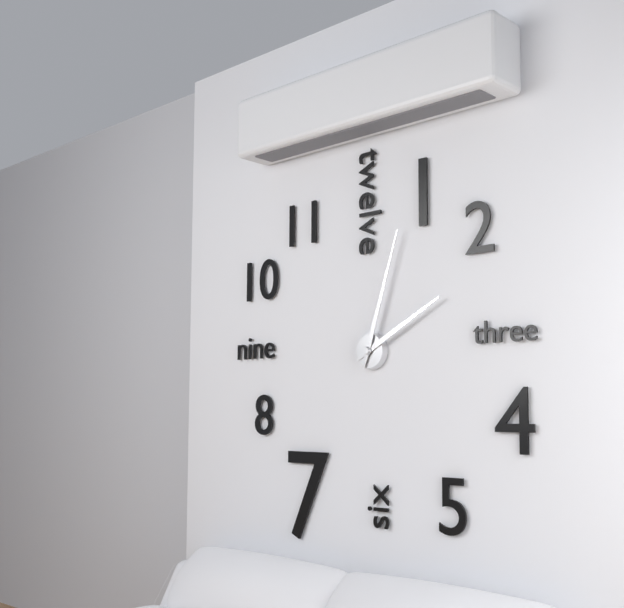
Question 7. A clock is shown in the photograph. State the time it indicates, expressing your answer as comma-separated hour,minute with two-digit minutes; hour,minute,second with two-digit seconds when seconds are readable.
2,03
